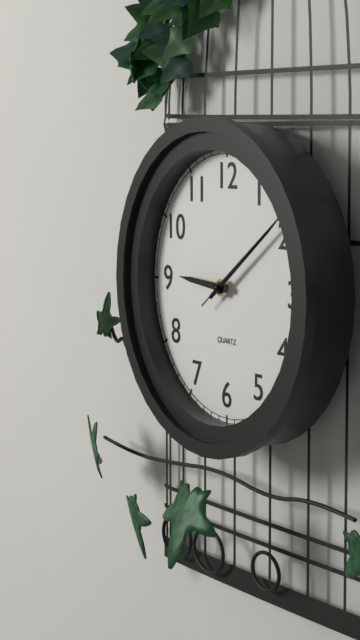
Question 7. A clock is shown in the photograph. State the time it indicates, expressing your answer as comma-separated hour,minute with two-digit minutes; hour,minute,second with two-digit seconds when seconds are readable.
9,09,09
